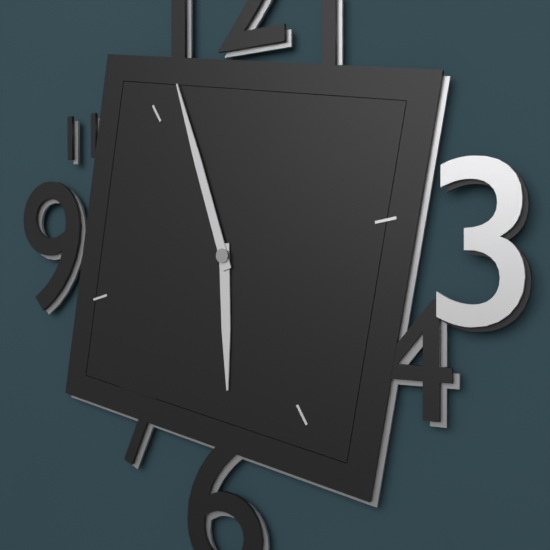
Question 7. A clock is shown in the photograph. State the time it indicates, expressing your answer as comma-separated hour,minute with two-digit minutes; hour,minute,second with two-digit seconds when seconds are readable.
5,57
